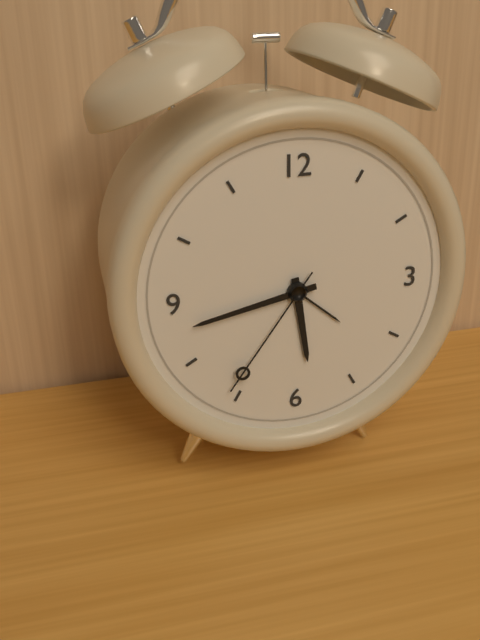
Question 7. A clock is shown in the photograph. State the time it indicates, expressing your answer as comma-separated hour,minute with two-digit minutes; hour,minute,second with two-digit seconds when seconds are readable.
5,43,36
